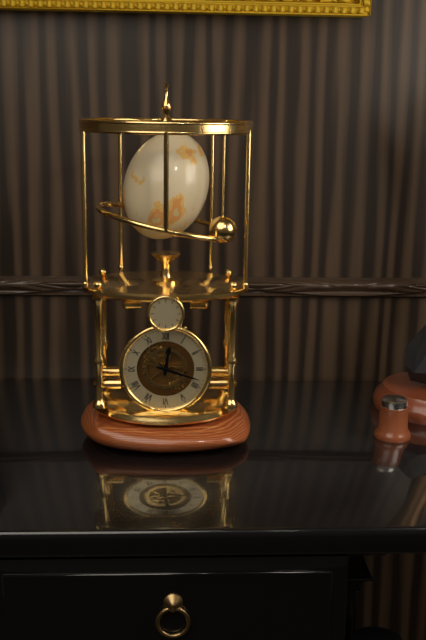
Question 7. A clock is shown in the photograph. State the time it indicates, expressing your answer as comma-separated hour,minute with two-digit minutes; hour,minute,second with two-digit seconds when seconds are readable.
12,18
